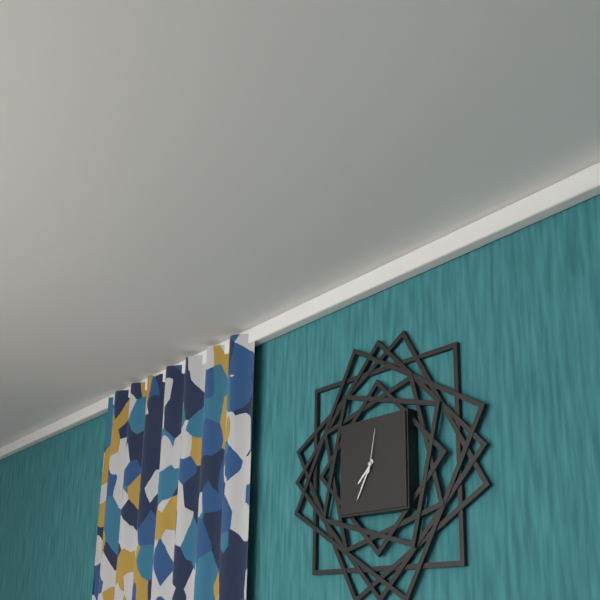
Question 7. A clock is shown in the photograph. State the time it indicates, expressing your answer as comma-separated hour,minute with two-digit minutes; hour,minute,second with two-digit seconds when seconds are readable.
7,35
